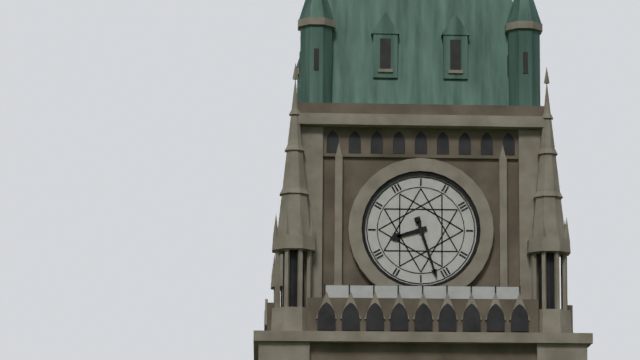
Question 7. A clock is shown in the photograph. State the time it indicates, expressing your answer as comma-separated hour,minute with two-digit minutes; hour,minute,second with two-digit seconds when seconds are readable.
8,27
